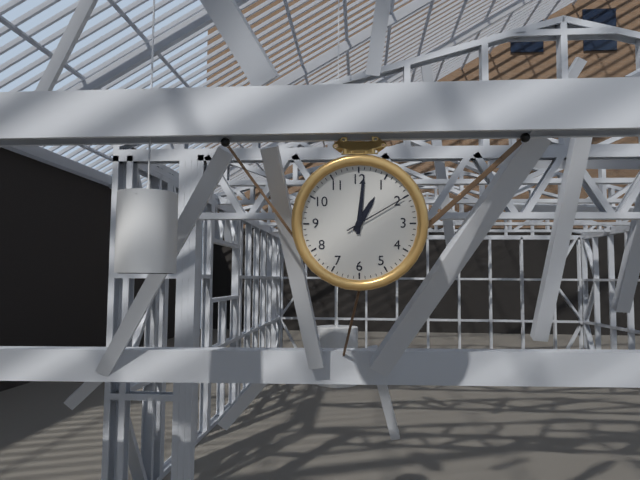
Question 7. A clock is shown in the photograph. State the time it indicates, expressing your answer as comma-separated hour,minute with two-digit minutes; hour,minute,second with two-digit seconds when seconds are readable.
1,01,10
